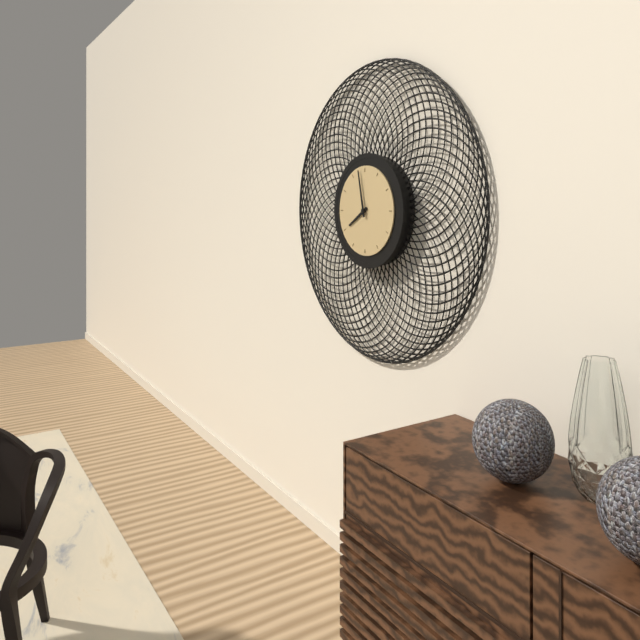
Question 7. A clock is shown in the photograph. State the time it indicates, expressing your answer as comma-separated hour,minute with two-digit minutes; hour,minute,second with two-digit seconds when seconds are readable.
7,58
